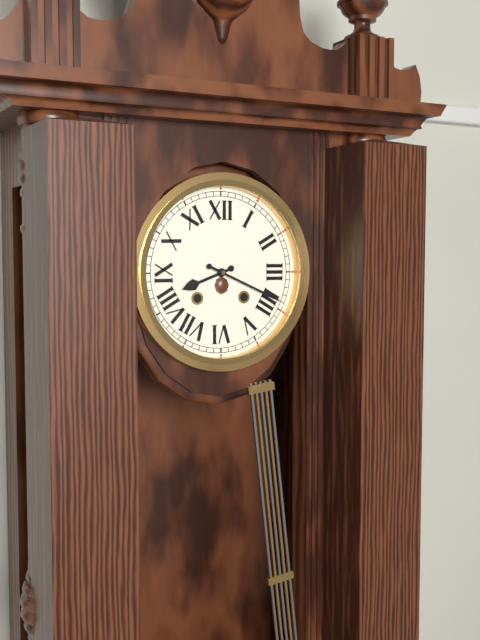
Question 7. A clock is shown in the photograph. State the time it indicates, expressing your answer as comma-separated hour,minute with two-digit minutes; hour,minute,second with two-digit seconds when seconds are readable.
8,19
